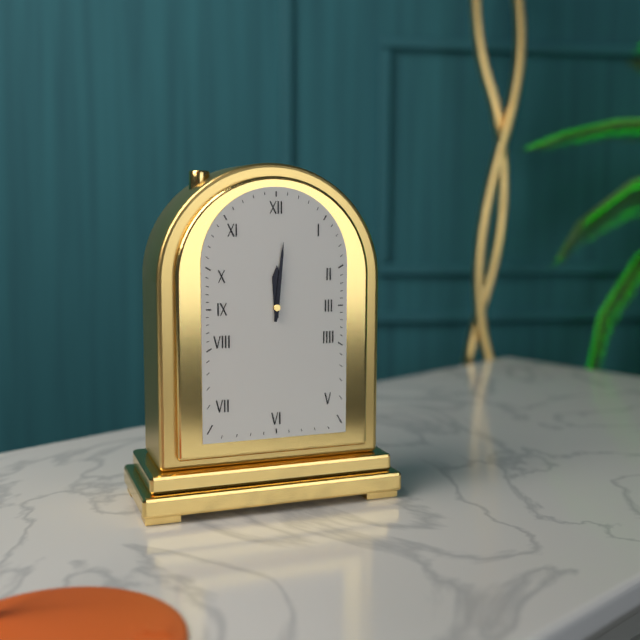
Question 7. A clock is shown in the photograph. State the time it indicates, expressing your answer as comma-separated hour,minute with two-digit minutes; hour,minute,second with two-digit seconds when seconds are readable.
12,01
